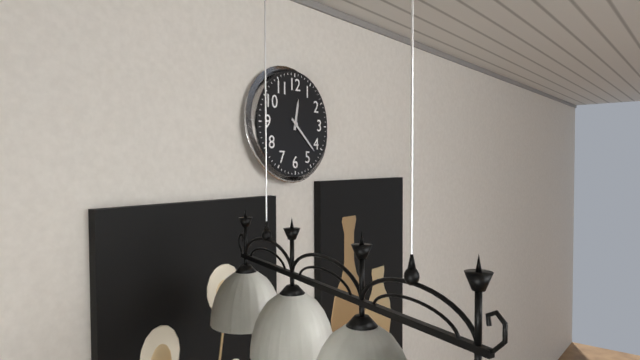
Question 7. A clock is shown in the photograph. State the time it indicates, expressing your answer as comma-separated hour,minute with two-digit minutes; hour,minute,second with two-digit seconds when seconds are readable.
12,22
